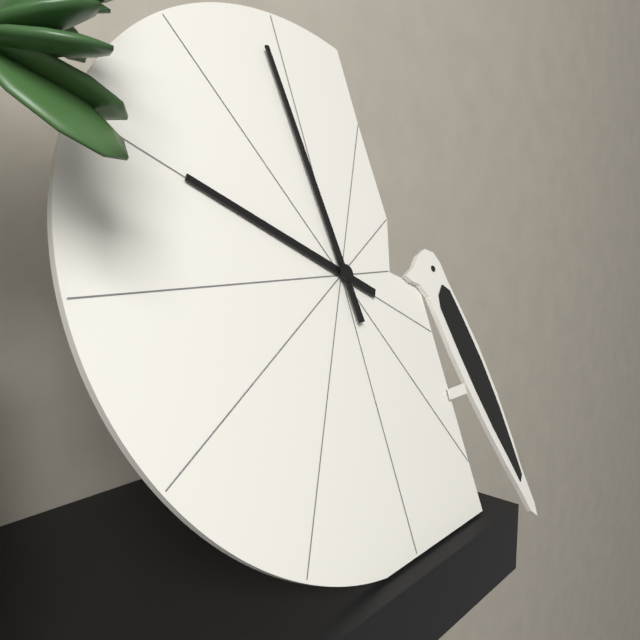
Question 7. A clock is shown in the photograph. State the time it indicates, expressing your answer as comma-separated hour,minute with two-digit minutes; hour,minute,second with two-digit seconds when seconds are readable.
9,59
